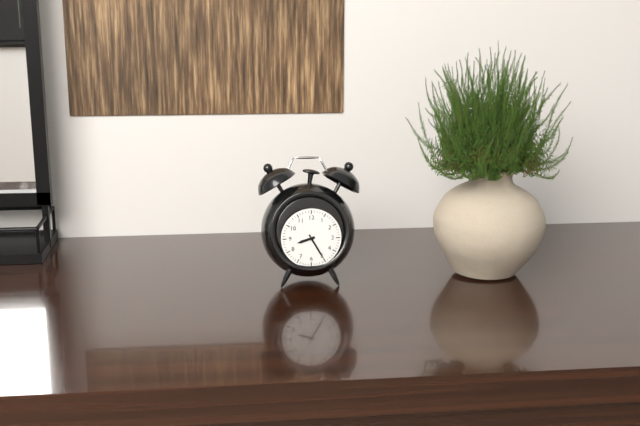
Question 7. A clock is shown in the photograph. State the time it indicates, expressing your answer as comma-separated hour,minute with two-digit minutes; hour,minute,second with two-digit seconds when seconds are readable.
8,25
